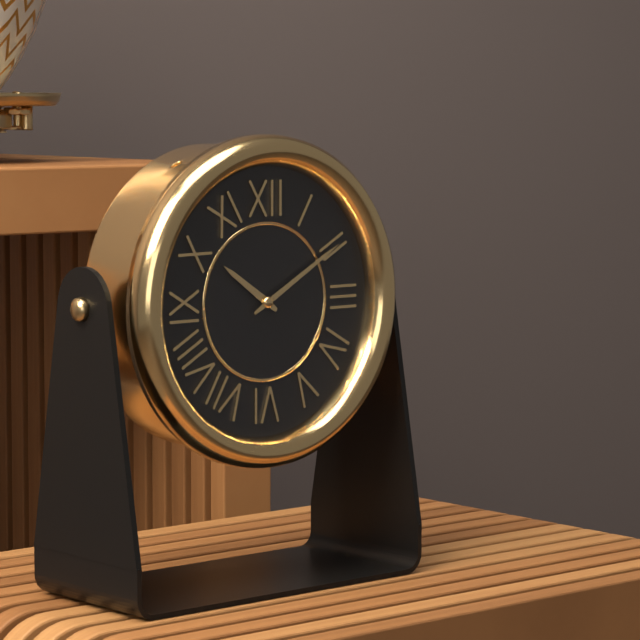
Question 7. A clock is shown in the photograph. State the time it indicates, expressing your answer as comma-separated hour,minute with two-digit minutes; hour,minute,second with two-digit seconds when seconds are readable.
10,10
